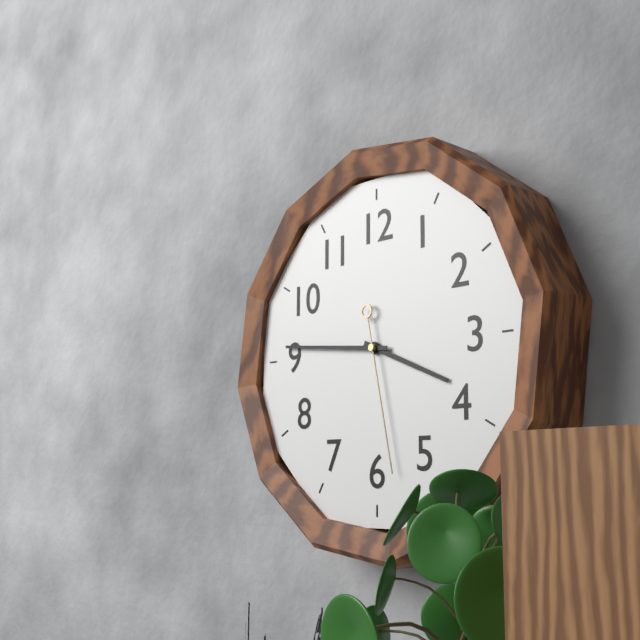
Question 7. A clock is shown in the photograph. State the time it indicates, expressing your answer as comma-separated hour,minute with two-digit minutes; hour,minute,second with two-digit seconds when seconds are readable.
3,46,28
